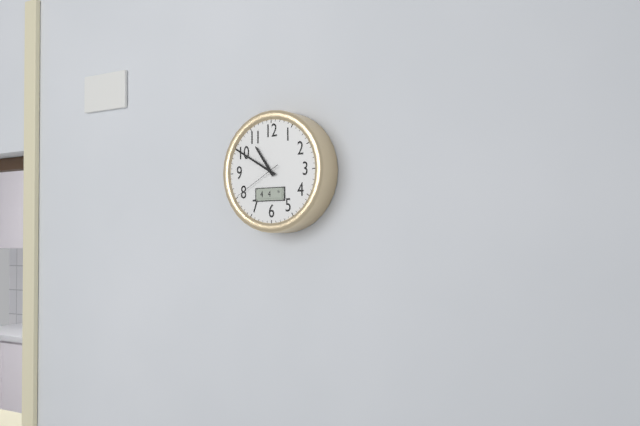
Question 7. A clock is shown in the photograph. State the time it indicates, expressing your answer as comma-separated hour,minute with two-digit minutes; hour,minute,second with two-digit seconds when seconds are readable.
10,50,40
